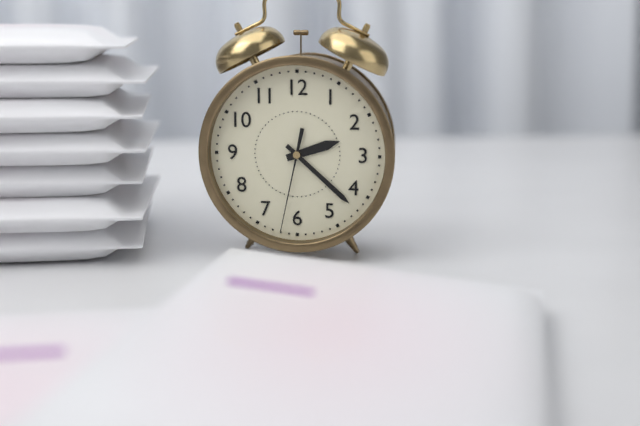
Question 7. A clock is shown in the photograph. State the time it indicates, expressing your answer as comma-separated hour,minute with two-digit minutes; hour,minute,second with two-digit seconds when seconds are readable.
2,22,32
